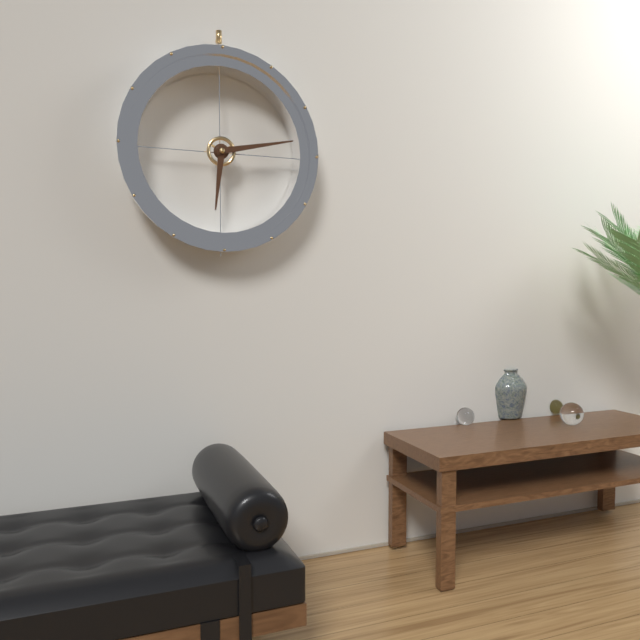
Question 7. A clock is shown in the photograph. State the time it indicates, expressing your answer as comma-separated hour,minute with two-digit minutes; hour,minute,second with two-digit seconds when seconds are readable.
6,13
